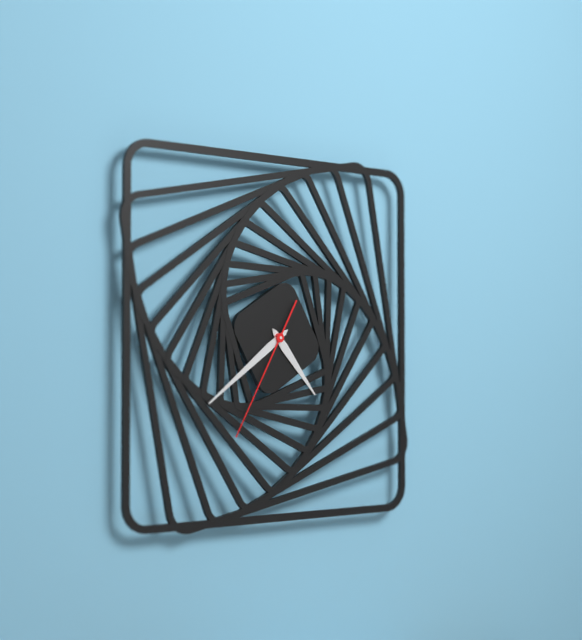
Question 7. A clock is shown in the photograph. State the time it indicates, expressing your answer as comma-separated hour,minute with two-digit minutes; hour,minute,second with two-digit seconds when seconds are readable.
4,39,35
